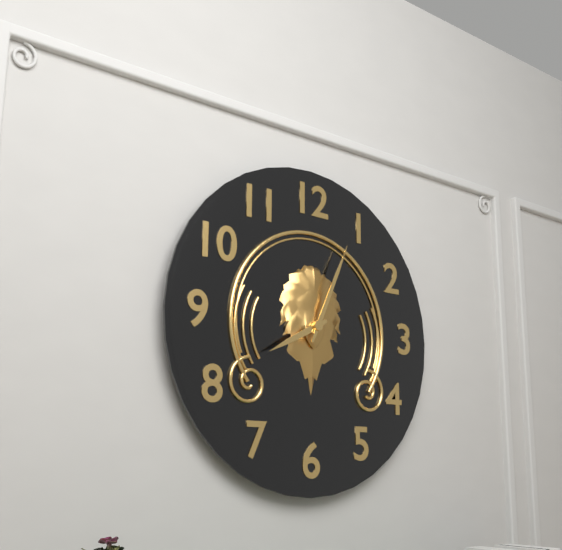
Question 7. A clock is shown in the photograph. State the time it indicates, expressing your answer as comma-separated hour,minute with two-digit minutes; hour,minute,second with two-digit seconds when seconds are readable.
8,04
